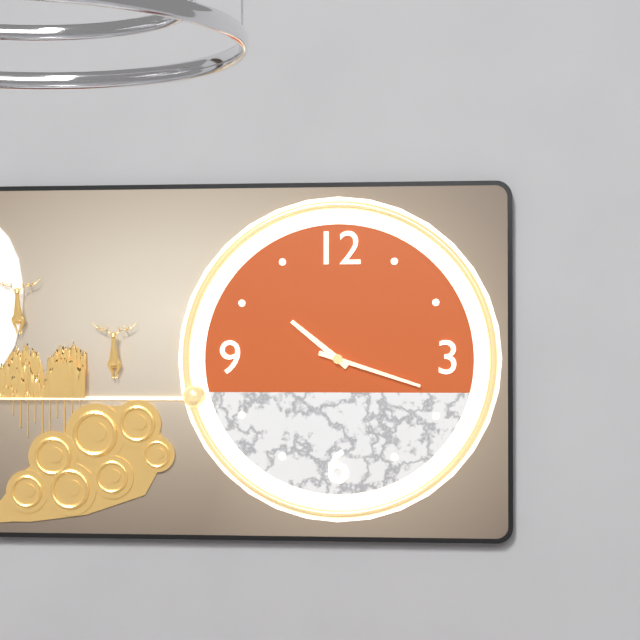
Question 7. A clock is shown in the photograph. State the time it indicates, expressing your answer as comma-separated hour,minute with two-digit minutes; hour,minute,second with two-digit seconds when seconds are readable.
10,18
